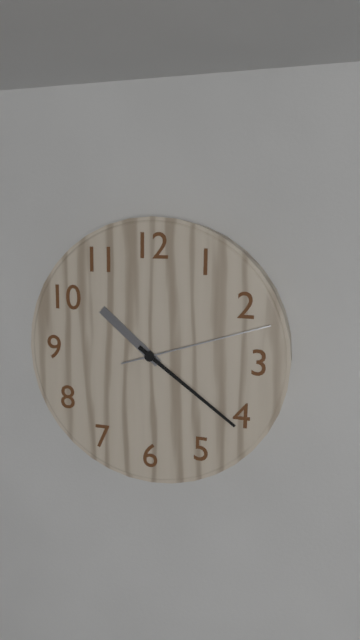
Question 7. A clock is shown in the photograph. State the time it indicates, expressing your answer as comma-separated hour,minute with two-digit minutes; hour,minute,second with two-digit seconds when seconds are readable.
10,21,12
